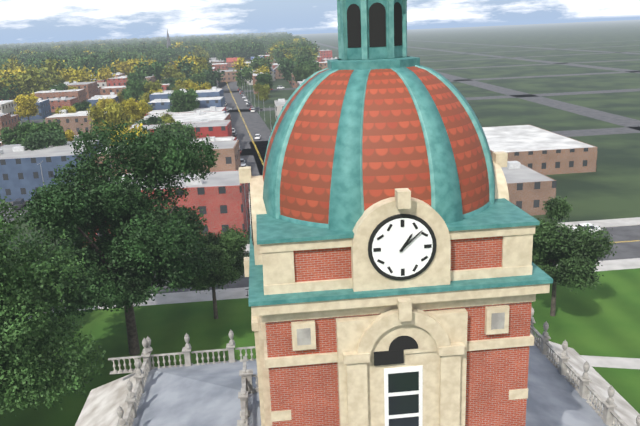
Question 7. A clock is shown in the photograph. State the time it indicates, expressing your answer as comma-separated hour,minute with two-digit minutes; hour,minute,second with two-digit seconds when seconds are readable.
1,08
